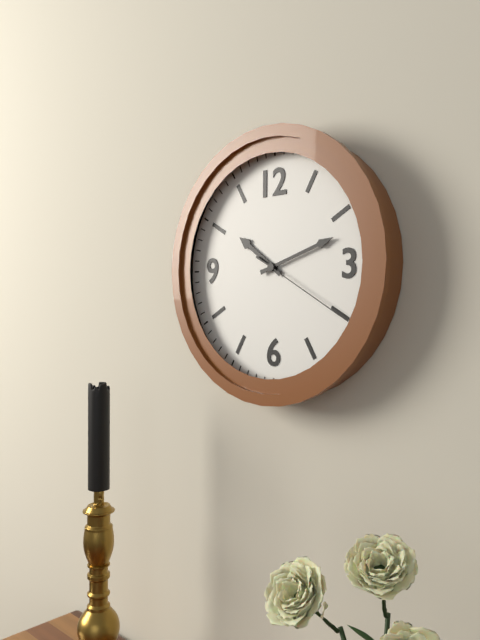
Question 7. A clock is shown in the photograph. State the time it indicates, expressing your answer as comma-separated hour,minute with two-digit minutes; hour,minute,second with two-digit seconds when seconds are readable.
10,12,20
